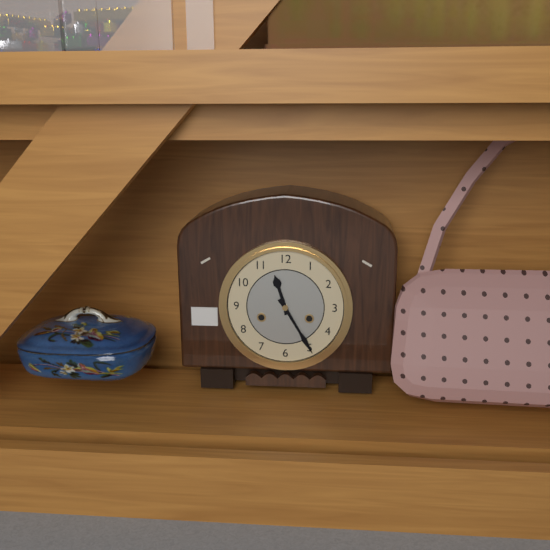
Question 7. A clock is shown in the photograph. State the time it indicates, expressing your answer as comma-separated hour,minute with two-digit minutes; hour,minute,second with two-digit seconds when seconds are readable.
11,25
